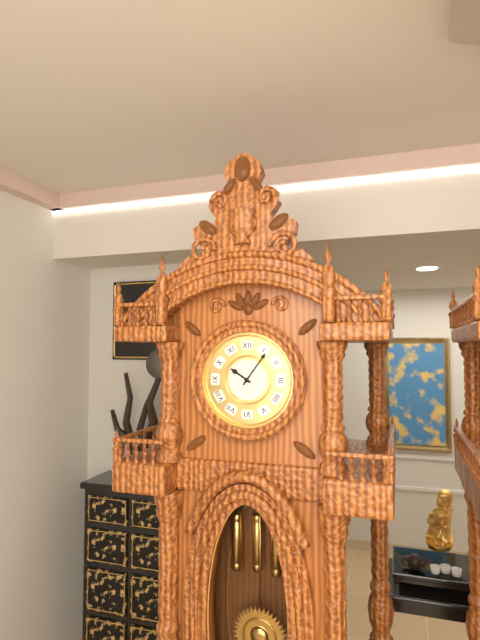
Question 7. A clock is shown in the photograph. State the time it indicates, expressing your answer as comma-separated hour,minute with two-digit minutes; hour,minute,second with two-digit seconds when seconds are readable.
10,06
